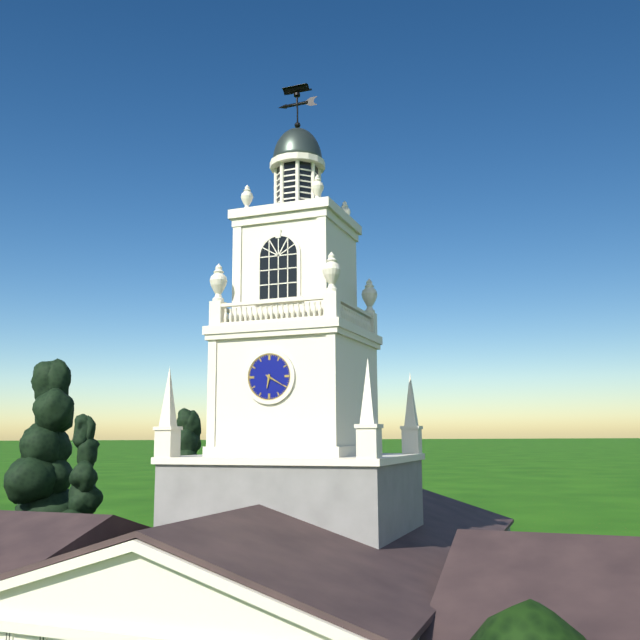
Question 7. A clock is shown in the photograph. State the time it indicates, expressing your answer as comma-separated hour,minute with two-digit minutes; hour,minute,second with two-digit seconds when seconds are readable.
6,20
